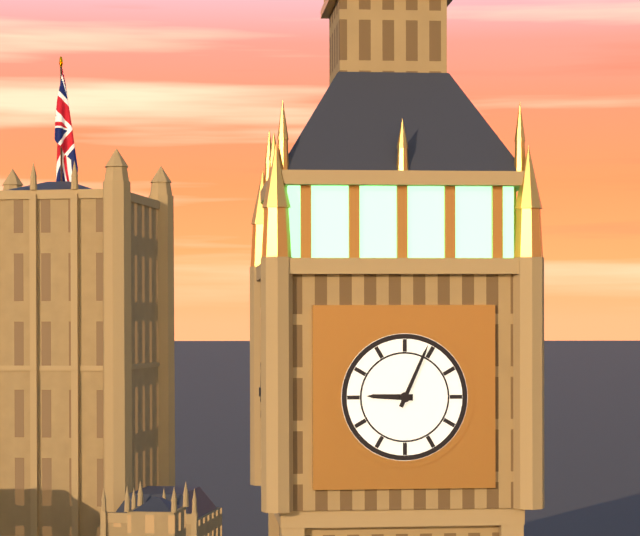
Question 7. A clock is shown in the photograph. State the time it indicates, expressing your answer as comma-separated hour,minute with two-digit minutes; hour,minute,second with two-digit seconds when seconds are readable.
9,04
